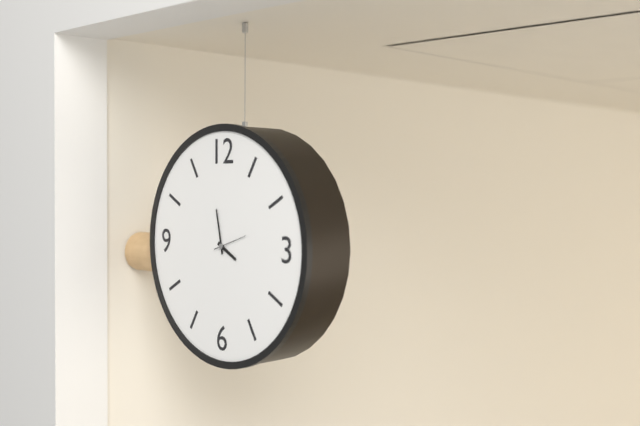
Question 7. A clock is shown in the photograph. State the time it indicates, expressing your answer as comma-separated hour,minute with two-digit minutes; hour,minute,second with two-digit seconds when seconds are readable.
3,58
